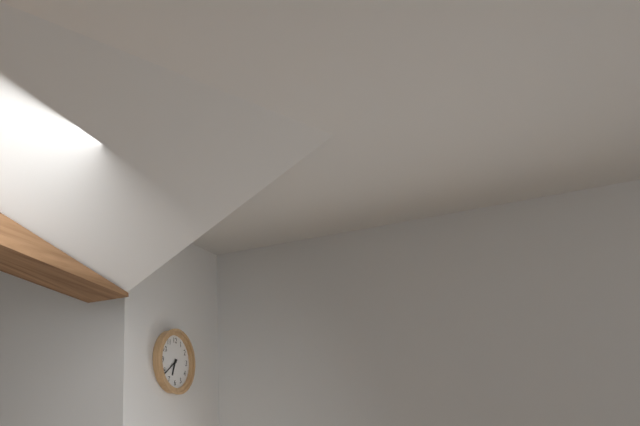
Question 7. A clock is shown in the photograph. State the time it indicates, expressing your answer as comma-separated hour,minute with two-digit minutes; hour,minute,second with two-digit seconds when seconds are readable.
6,39
